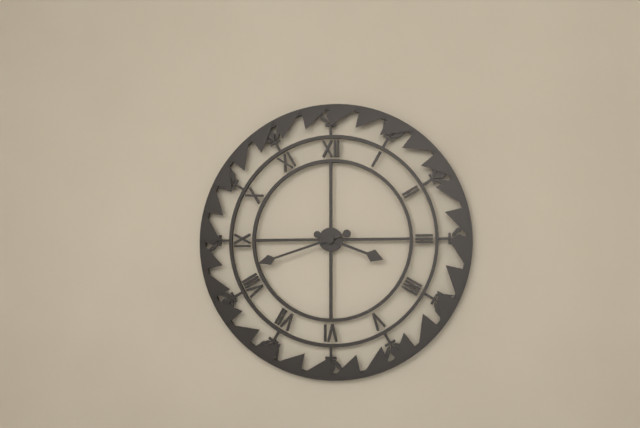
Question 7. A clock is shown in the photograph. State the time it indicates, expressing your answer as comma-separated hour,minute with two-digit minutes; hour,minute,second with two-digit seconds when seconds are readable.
3,42
